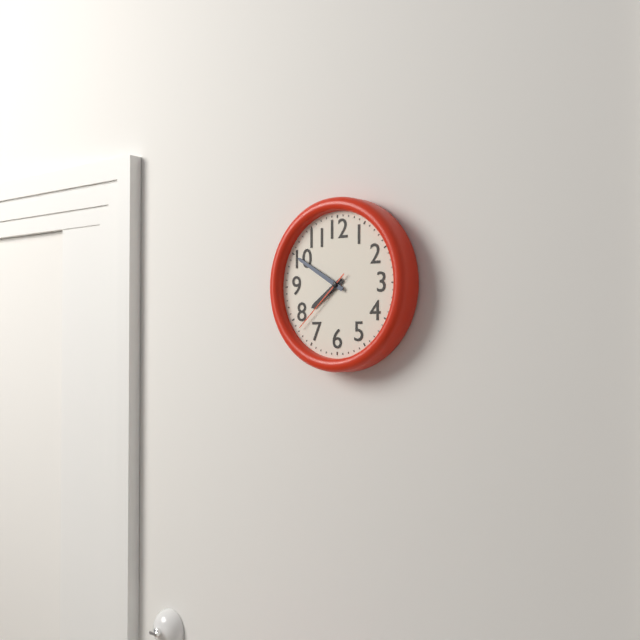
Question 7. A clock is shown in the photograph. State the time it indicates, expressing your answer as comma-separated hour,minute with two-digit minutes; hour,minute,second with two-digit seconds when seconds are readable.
7,50,38
